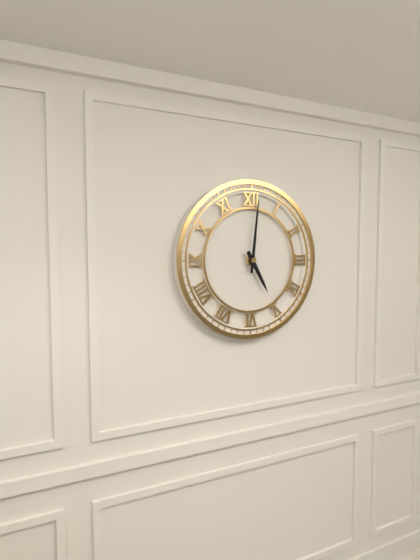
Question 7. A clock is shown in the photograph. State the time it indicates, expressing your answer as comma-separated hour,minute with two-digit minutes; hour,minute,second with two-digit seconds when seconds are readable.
5,01
